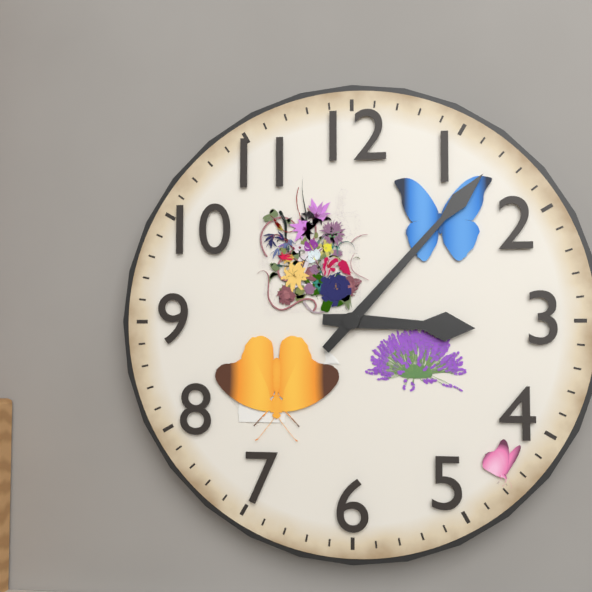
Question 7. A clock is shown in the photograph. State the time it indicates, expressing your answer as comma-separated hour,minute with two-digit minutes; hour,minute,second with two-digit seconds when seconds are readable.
3,07
